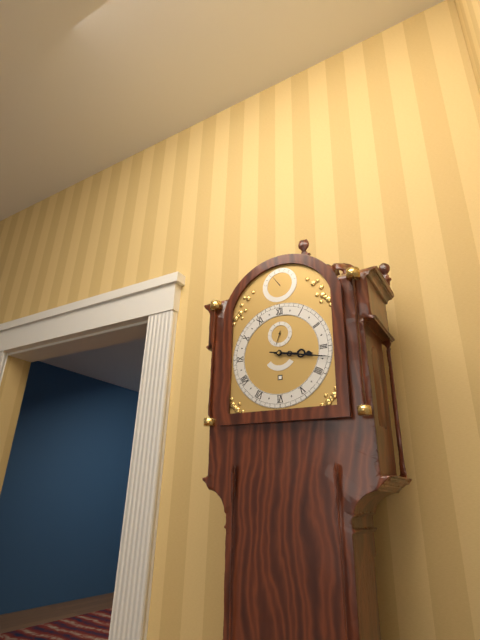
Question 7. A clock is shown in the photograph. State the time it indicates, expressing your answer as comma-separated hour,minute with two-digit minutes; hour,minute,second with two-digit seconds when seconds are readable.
3,17
